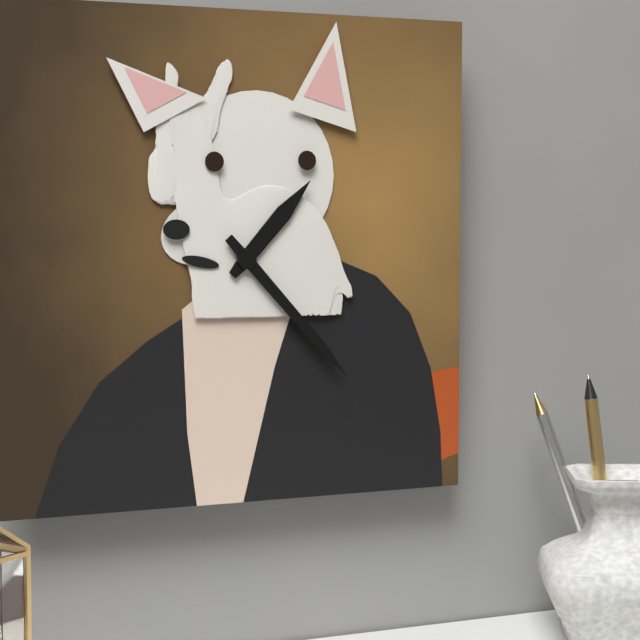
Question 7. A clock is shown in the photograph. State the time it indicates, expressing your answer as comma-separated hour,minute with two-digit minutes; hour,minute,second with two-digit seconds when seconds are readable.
1,23
